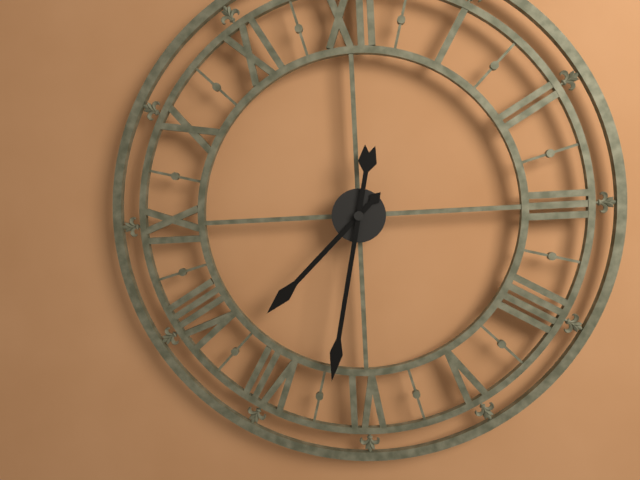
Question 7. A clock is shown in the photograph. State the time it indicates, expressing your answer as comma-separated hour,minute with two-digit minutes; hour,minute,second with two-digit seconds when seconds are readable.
7,32
